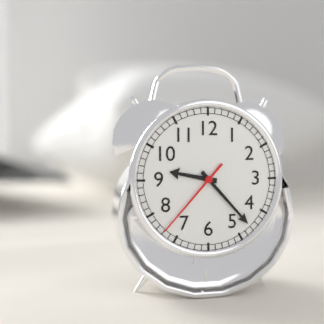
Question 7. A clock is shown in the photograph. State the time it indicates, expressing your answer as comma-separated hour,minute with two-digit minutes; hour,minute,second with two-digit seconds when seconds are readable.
9,23,37
